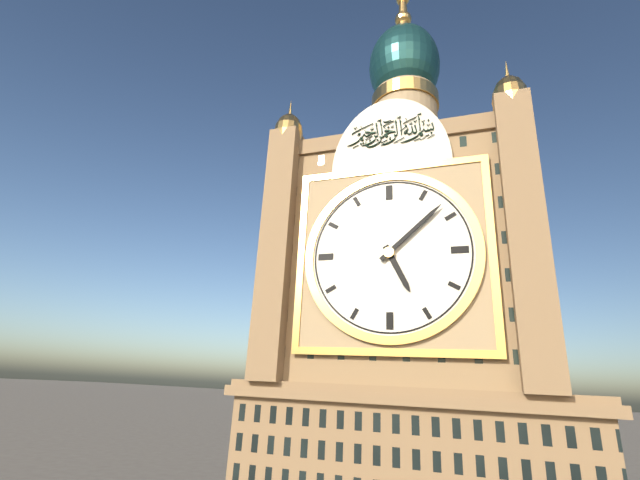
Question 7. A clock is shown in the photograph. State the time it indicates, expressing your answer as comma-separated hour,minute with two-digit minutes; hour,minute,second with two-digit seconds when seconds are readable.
5,08
